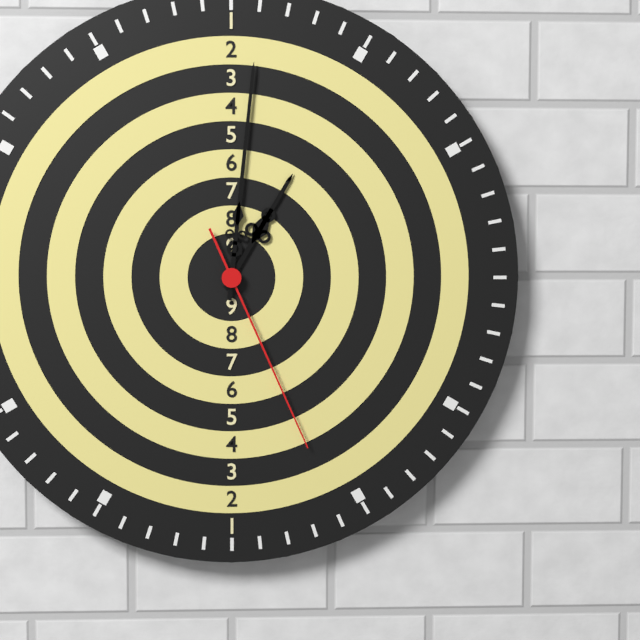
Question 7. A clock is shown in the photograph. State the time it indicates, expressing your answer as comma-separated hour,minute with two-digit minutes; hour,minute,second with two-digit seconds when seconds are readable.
1,01,26
